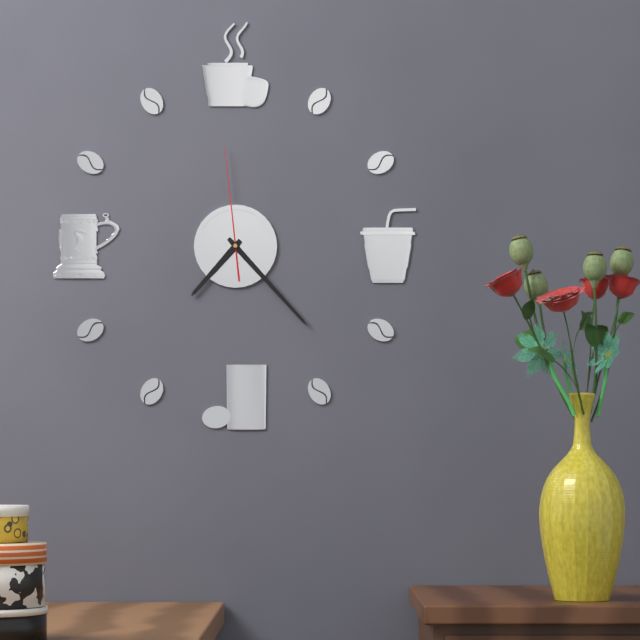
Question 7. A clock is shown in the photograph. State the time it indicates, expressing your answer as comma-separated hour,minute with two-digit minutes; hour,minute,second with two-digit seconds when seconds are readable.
7,23,59
